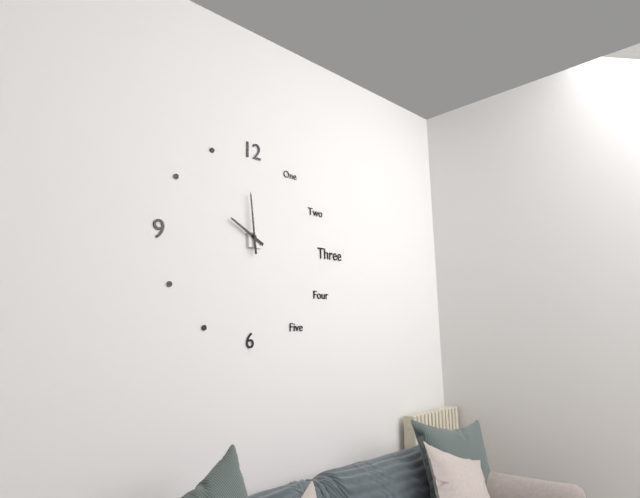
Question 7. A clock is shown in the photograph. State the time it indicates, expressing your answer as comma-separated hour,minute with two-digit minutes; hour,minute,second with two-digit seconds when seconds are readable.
9,59
